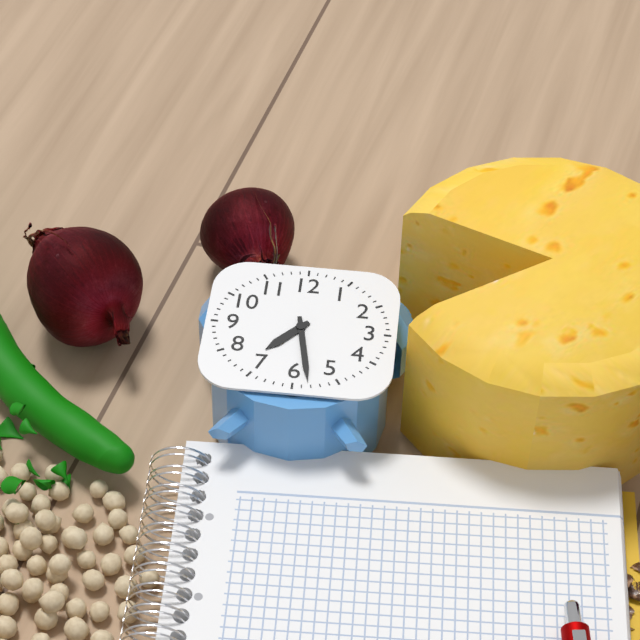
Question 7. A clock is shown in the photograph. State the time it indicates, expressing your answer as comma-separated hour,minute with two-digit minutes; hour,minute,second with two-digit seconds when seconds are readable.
7,28
